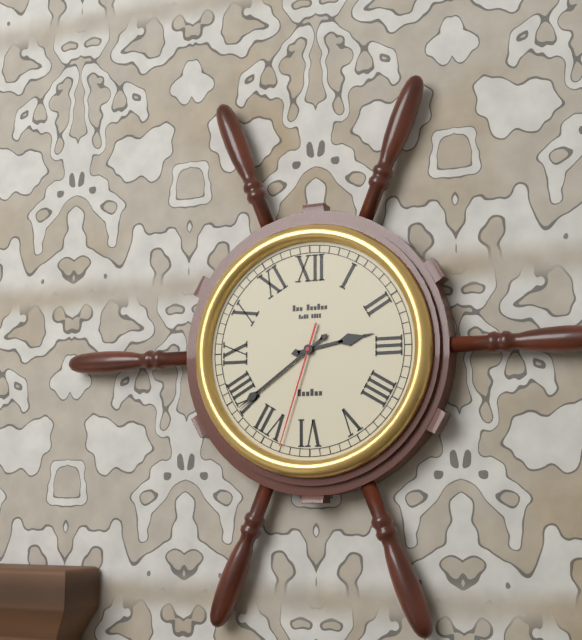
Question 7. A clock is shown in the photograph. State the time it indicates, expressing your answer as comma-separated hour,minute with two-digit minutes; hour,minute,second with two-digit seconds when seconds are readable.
2,39,33
